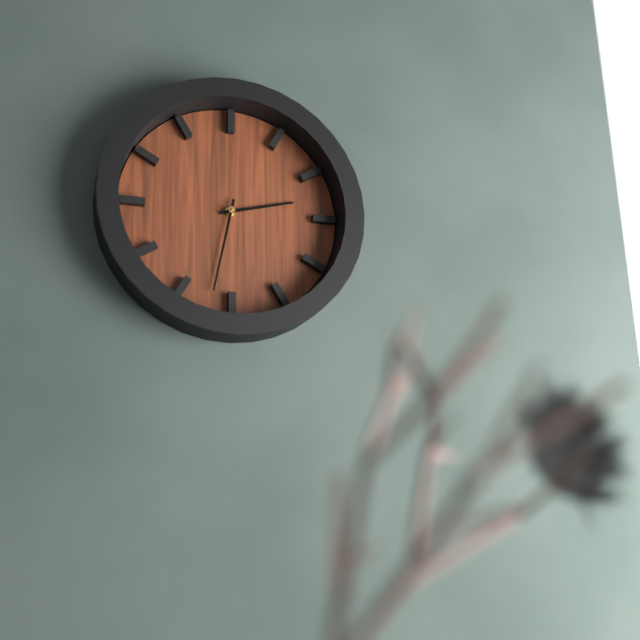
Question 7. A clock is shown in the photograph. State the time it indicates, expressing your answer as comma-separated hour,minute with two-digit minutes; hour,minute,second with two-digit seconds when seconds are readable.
2,32
